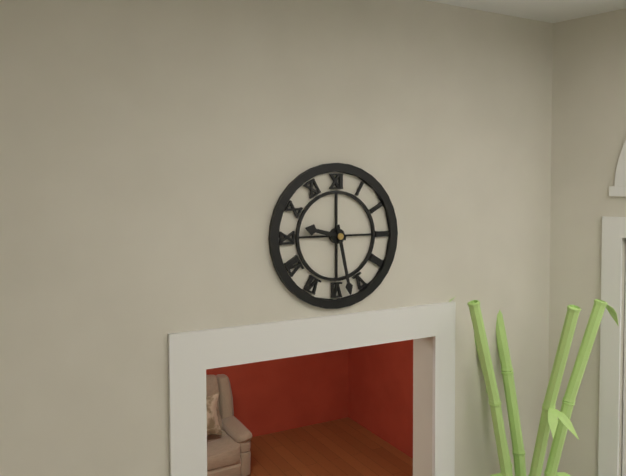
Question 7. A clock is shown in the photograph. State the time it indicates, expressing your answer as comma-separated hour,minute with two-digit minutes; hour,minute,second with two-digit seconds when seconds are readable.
9,28
